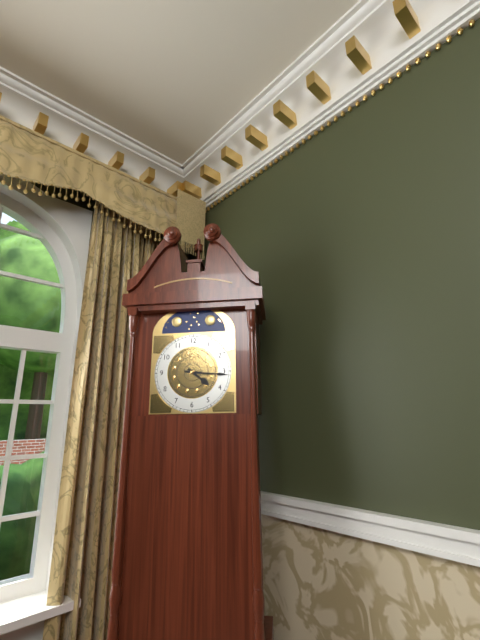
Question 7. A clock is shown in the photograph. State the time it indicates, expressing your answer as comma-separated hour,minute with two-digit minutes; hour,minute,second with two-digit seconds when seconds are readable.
4,16
